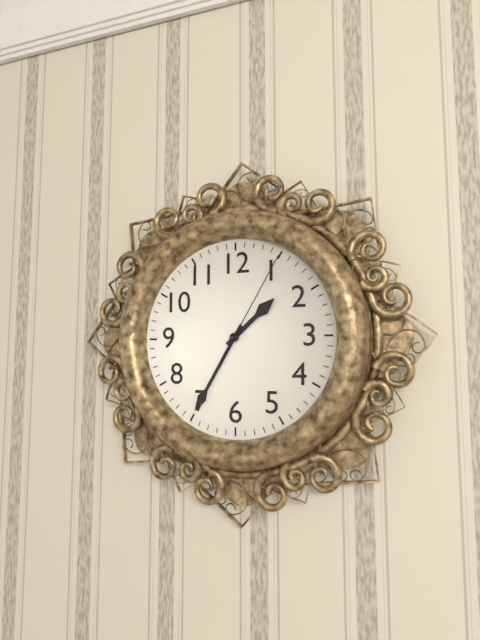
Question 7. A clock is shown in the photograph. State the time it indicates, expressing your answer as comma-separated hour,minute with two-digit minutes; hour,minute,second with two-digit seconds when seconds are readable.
1,35,05
